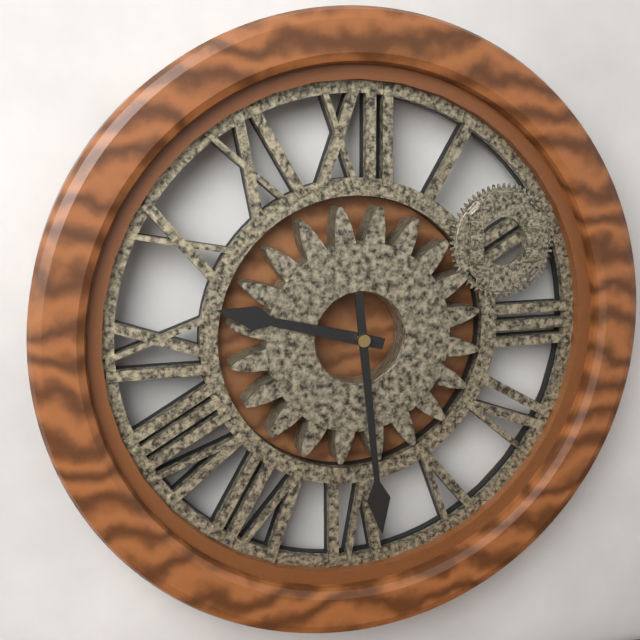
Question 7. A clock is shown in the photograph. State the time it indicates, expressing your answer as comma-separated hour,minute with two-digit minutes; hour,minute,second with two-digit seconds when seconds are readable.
9,29
